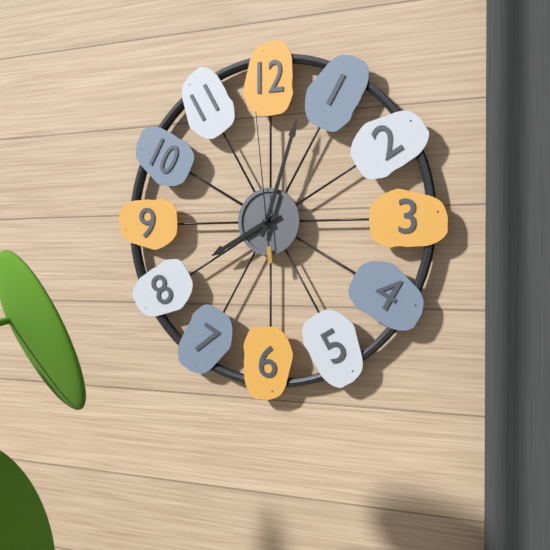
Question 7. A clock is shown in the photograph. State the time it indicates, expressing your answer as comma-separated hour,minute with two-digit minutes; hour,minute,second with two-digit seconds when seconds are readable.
8,03,59
